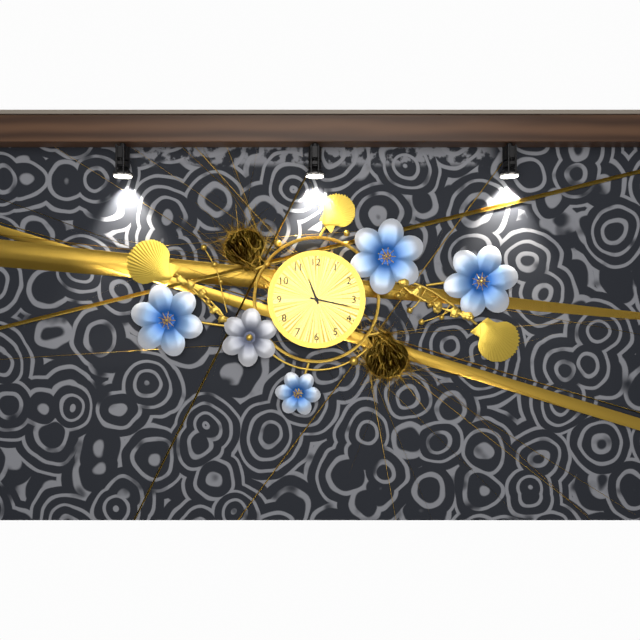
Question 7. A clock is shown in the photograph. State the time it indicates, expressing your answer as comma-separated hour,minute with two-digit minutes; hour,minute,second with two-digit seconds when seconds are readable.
11,17
